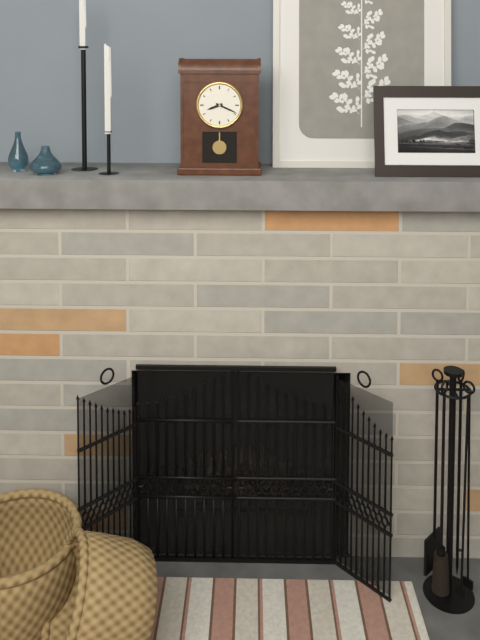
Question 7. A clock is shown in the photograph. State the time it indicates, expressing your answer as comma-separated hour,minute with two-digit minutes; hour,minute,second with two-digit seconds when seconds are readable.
8,19
